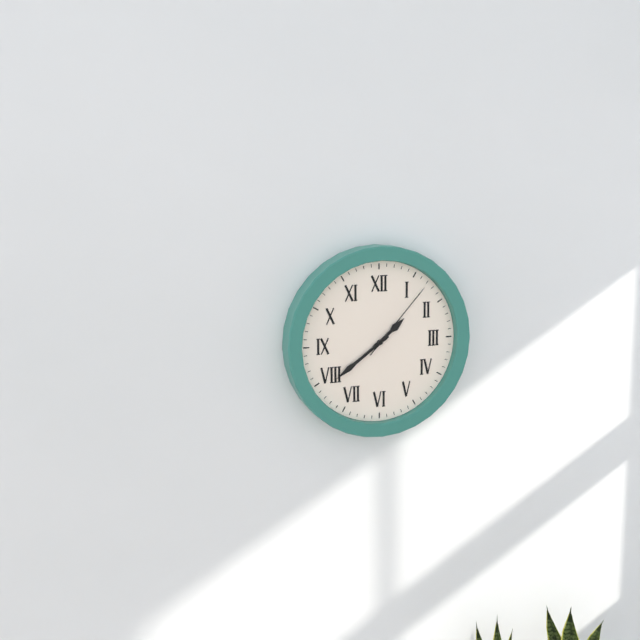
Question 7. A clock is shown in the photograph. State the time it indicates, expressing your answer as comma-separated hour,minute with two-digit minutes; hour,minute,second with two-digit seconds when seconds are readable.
1,39,07
